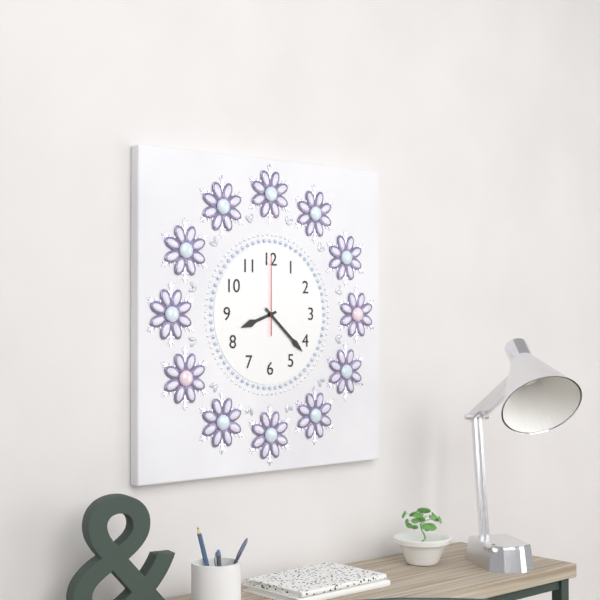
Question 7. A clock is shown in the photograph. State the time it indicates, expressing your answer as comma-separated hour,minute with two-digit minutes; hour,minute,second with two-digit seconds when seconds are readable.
8,22,00
